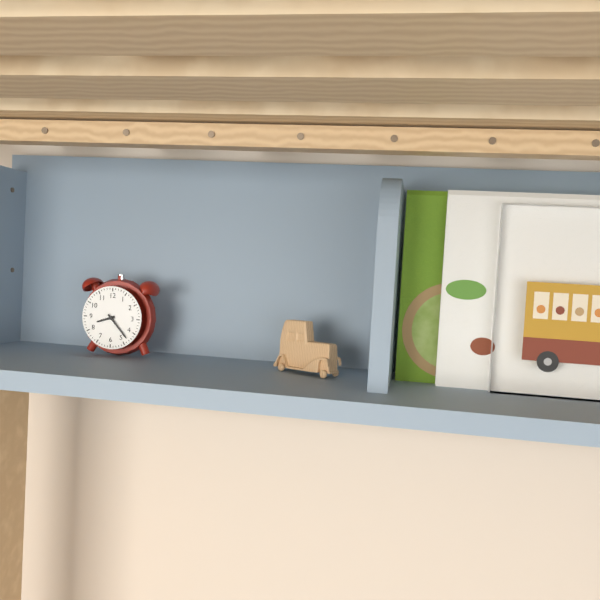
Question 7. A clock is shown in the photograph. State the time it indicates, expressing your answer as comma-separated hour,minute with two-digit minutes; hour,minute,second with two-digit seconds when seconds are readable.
8,23
